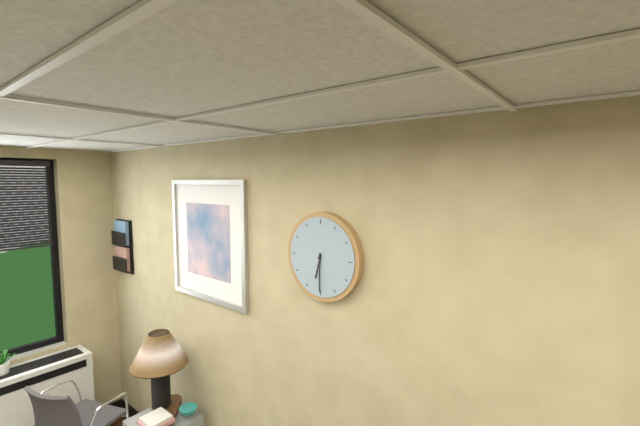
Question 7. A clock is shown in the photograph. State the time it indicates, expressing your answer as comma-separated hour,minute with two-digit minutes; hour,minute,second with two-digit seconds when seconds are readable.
6,30
